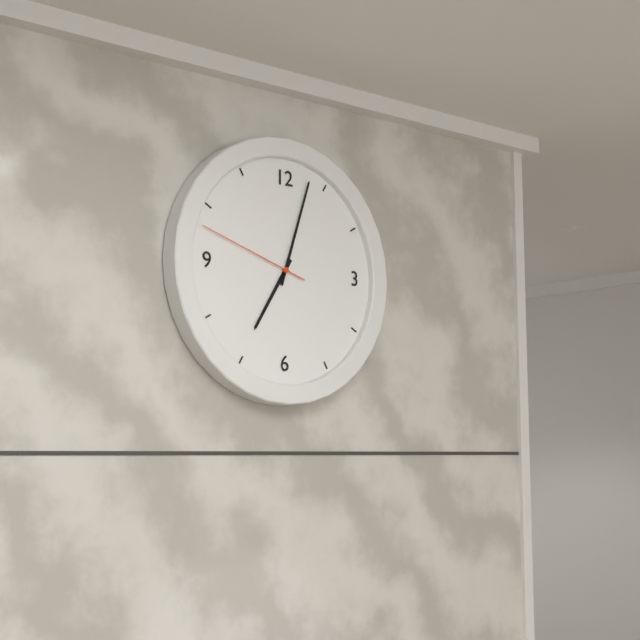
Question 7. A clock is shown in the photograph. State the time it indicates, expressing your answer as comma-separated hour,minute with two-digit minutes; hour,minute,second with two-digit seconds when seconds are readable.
7,03,48
